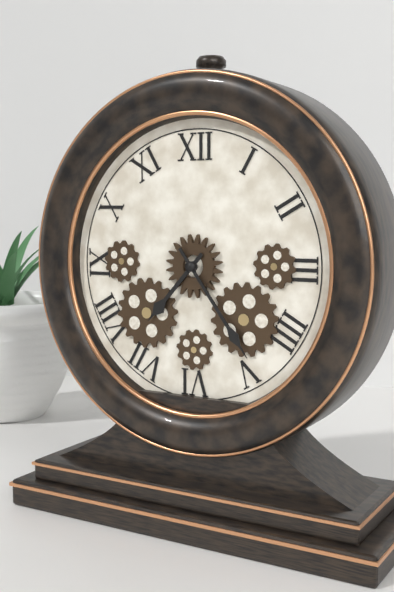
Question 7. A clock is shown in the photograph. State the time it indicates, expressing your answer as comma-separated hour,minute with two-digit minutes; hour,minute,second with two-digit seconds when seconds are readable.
7,24
